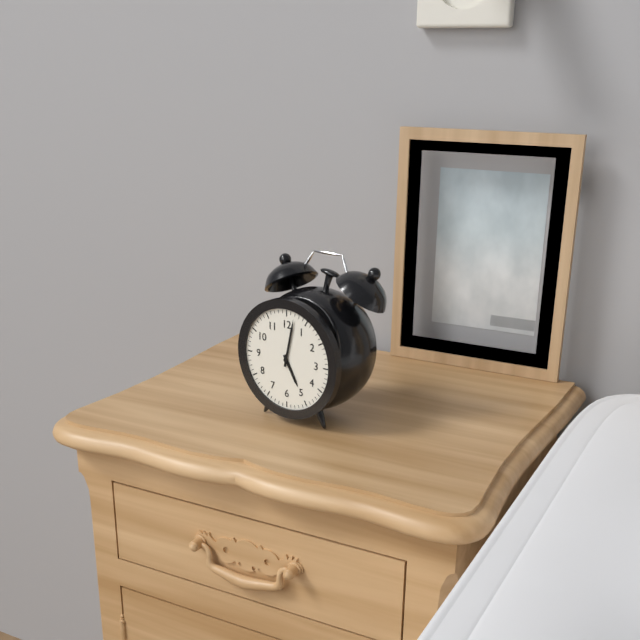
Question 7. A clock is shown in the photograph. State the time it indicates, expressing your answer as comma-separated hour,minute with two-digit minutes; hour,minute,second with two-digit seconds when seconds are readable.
5,02
